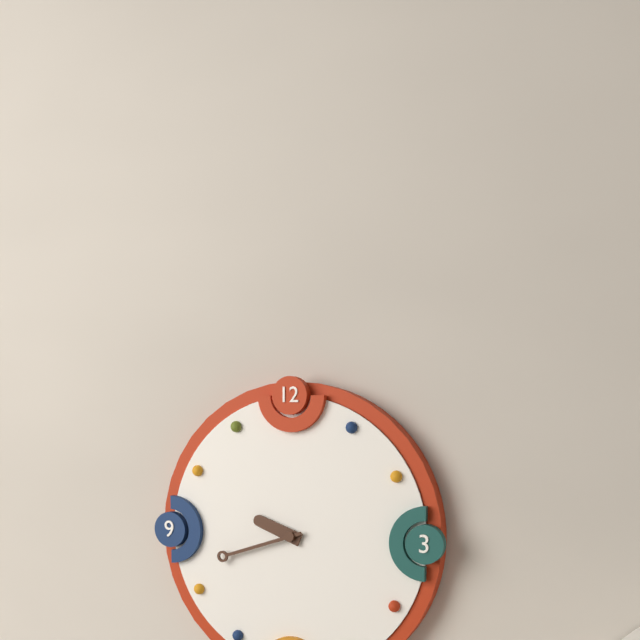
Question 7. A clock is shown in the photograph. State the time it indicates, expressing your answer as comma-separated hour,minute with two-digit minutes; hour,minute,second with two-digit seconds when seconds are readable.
9,42
